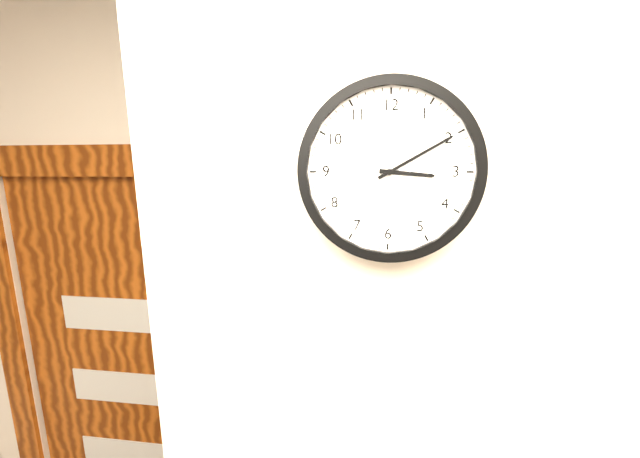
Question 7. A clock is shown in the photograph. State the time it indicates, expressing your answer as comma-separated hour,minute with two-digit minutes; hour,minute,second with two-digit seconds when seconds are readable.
3,10
